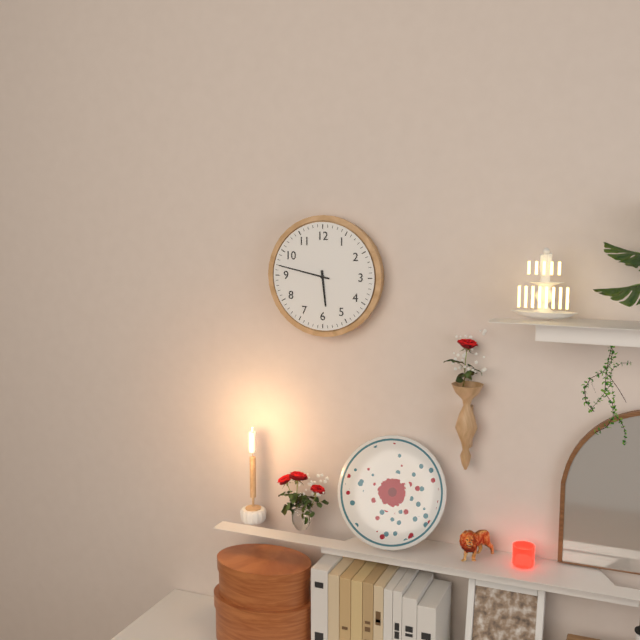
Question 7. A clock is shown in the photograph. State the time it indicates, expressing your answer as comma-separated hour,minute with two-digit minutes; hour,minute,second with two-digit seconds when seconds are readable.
5,47
